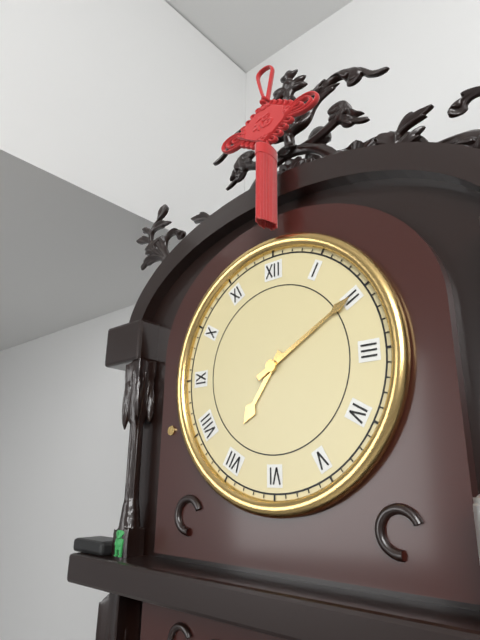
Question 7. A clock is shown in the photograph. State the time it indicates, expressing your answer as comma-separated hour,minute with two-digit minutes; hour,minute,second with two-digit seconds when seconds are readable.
7,10
